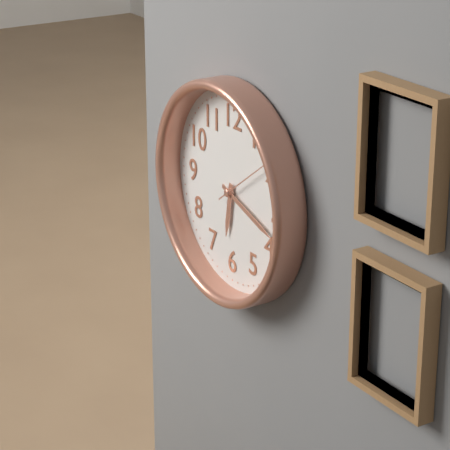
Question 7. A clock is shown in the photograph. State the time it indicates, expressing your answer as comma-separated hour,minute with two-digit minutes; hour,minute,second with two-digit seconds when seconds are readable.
6,18,09
